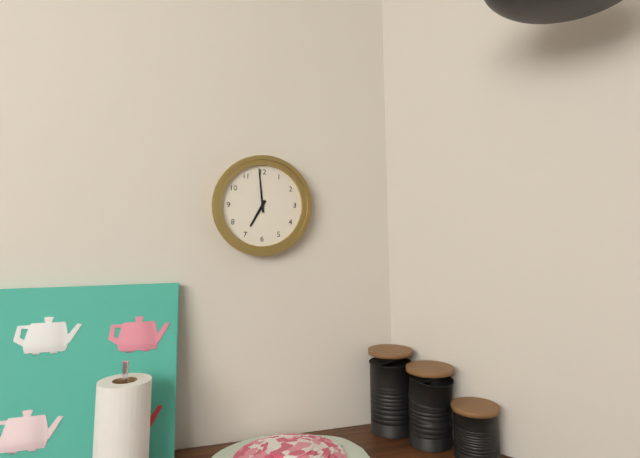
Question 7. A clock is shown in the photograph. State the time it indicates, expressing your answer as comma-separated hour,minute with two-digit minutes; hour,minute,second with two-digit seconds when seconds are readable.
6,59
